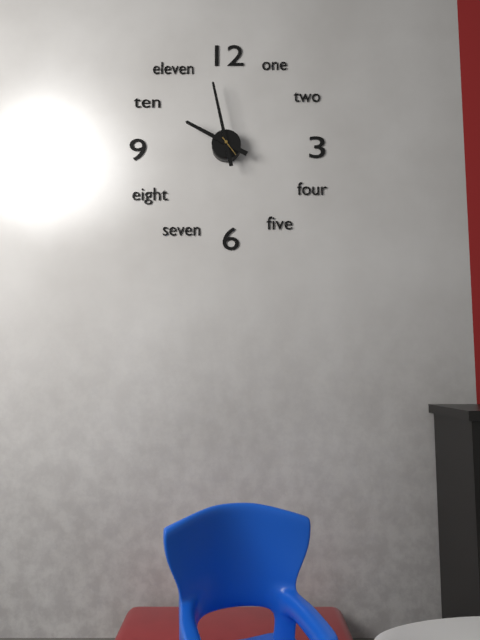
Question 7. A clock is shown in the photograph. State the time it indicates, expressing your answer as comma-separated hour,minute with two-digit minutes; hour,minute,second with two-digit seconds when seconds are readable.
9,58
